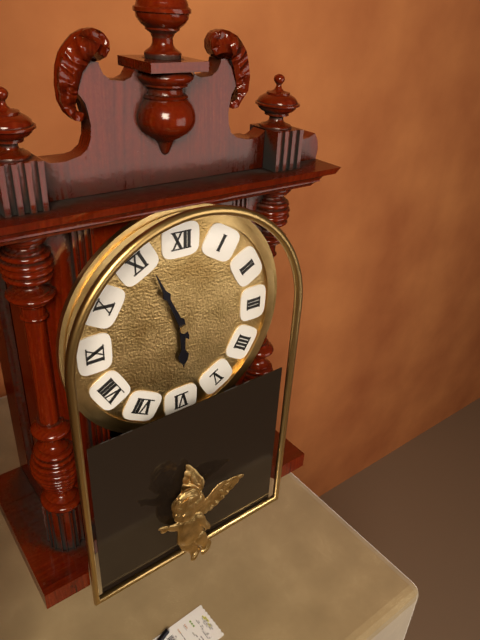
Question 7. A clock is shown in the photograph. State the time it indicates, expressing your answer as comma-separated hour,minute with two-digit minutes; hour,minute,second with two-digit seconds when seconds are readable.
5,56
